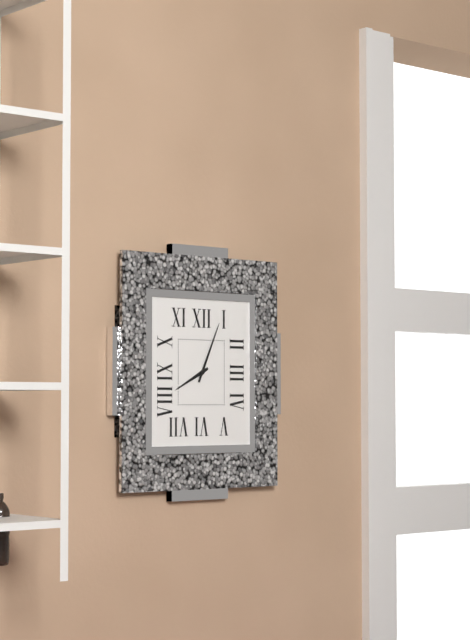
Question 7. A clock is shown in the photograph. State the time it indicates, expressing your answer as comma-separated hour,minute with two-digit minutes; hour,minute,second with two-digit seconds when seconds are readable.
8,04
